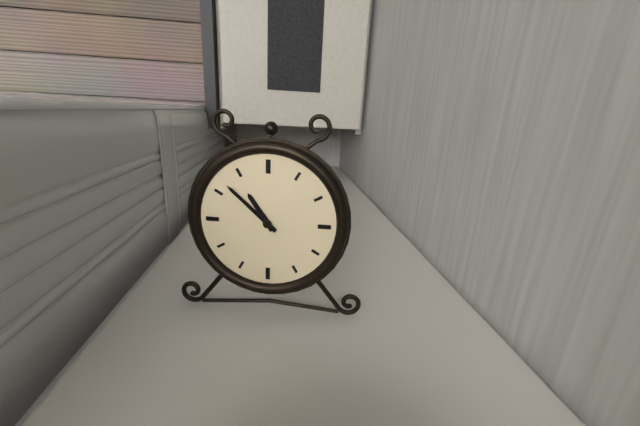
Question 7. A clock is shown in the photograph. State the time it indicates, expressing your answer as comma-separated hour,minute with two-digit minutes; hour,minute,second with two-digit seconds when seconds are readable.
10,52
